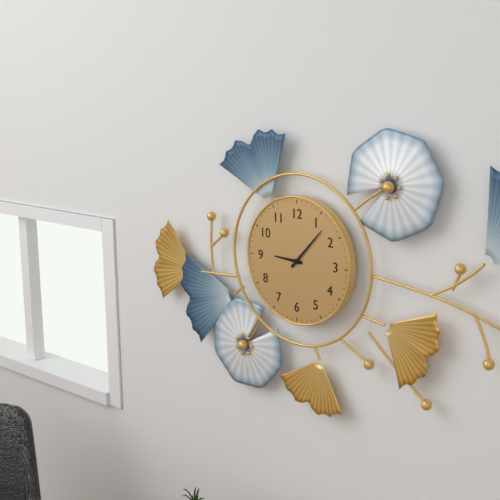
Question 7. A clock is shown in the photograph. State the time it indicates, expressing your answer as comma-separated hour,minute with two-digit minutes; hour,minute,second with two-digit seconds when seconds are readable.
9,07
